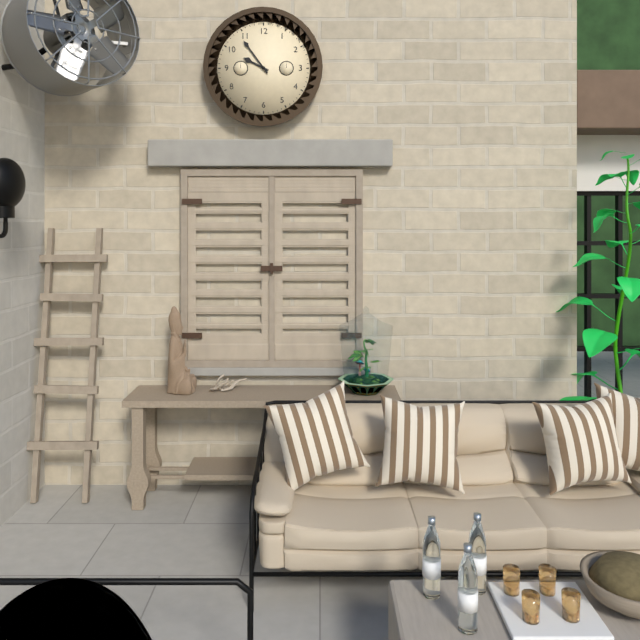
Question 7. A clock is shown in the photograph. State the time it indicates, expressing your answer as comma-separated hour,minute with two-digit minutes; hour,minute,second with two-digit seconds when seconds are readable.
9,54
